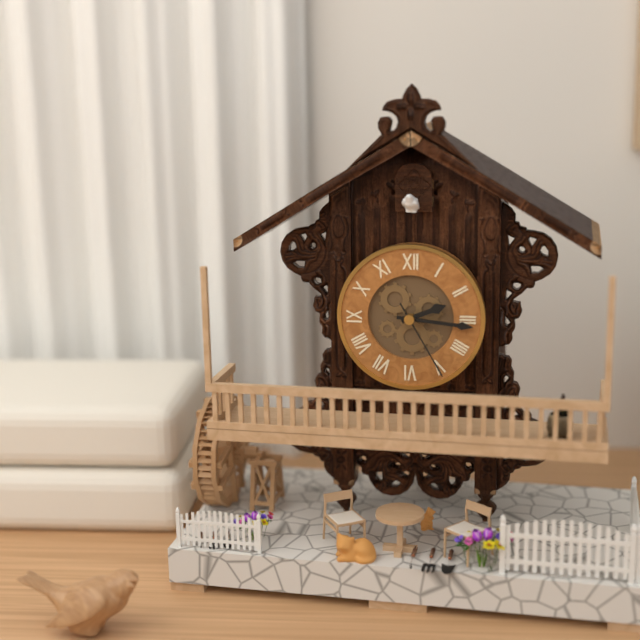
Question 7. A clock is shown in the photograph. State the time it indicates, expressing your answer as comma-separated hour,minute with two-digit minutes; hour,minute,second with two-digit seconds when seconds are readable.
2,16,25
